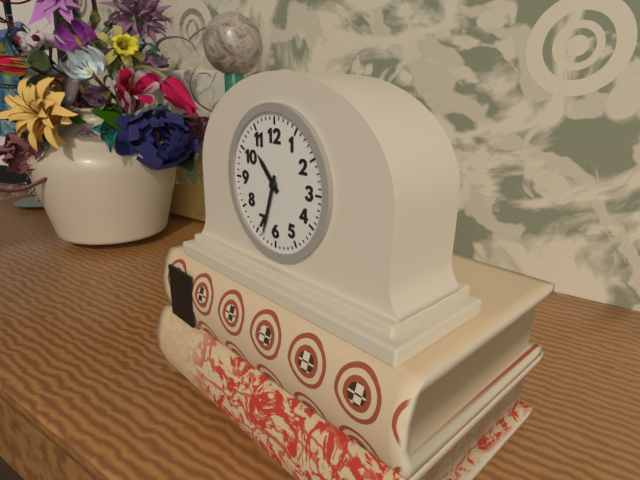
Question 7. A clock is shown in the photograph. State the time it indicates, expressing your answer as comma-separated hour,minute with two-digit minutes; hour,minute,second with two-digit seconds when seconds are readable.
10,33
